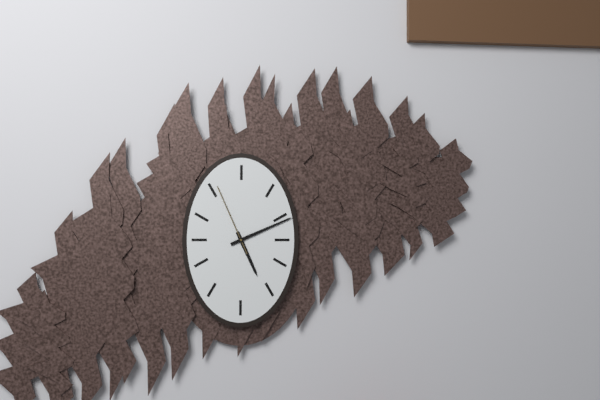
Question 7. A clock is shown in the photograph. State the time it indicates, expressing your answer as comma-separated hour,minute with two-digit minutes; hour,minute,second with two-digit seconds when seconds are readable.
5,11,56
